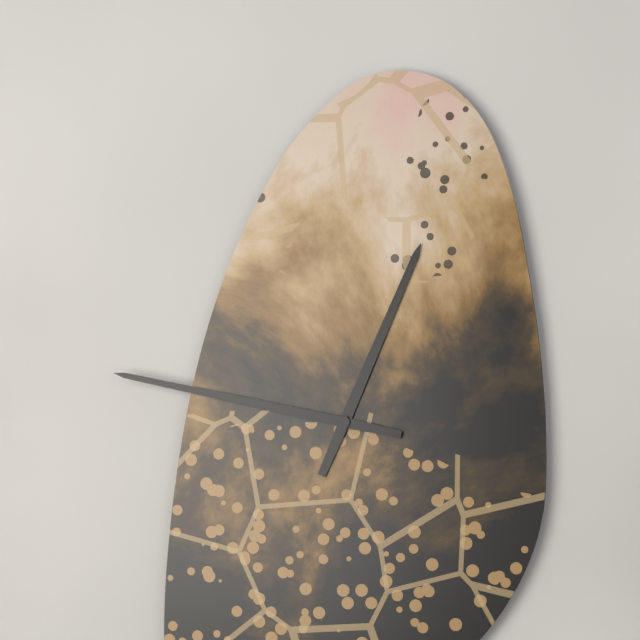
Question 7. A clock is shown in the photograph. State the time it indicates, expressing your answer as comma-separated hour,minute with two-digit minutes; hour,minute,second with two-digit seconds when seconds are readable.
12,47
